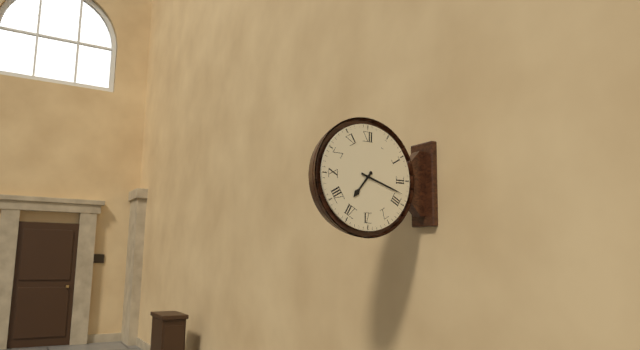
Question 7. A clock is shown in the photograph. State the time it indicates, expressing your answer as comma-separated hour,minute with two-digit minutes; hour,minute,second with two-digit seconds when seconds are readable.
7,18
